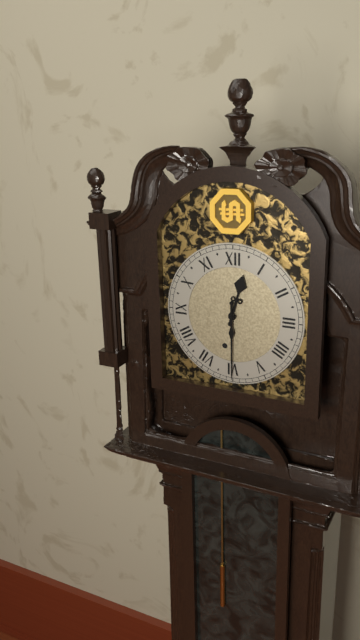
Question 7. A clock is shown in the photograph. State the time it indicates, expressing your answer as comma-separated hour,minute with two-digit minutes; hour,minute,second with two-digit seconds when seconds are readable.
12,30
